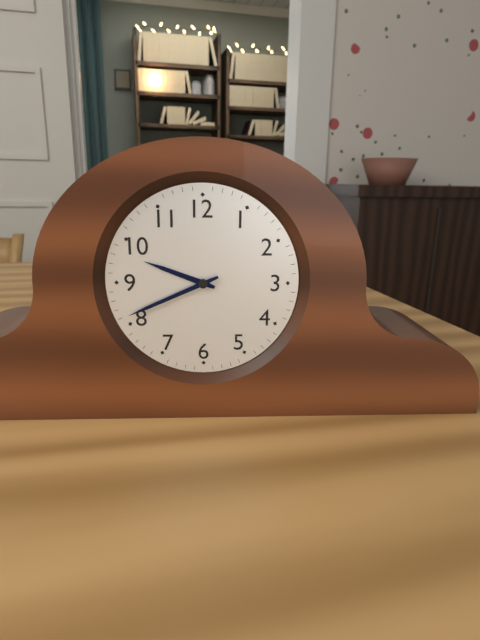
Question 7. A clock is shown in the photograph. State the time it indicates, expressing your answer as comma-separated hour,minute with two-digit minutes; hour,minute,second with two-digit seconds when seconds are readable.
9,41
